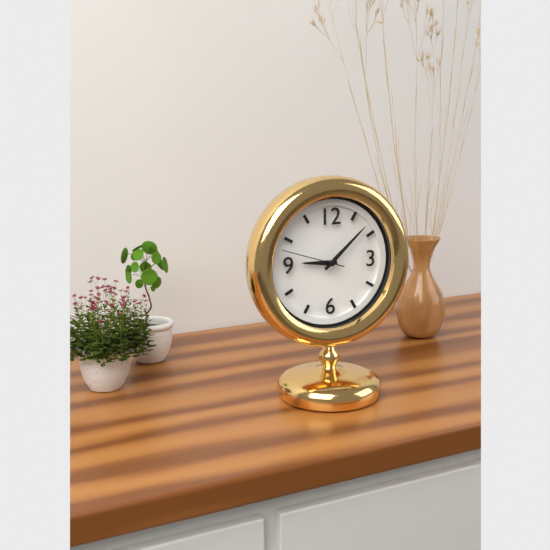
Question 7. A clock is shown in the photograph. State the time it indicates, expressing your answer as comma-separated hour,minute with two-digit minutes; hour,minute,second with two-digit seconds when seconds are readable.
9,08,48
